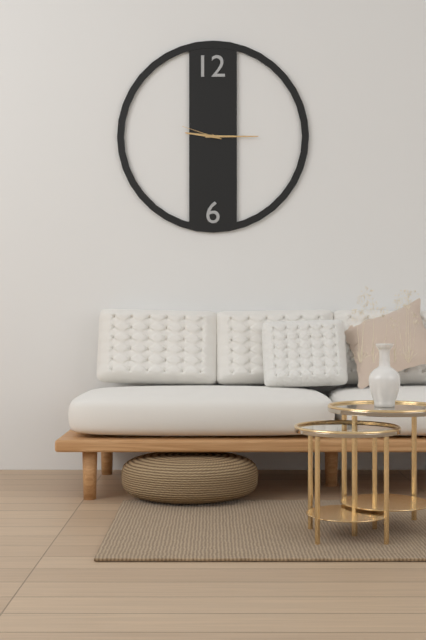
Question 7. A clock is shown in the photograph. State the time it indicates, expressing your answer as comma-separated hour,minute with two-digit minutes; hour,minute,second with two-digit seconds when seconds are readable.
9,15
